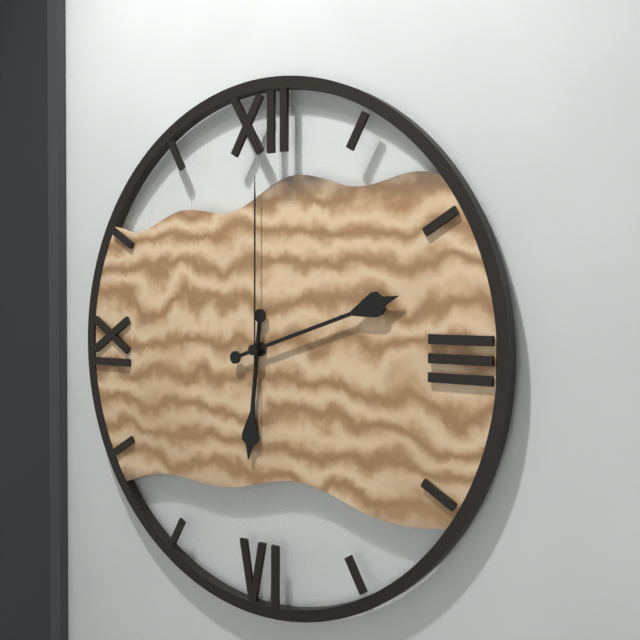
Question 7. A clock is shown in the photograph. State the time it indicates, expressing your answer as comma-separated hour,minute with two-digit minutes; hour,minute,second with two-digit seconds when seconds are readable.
6,12,00
